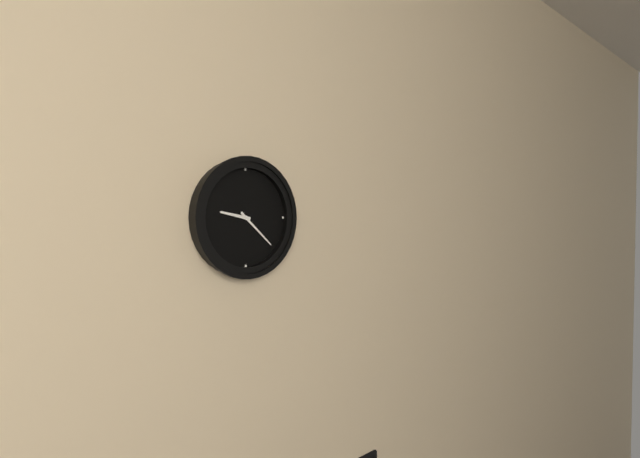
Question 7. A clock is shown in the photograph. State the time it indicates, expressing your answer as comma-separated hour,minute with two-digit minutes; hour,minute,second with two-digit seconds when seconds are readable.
9,22
